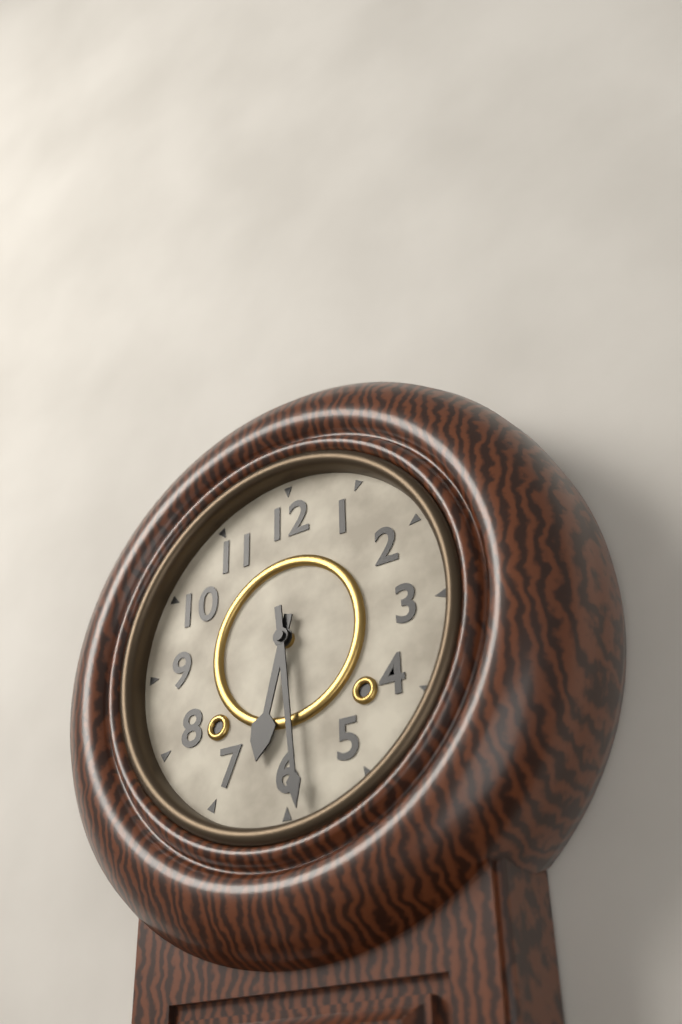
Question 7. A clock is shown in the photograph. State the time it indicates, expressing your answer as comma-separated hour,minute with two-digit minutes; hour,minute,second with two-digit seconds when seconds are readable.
6,29
